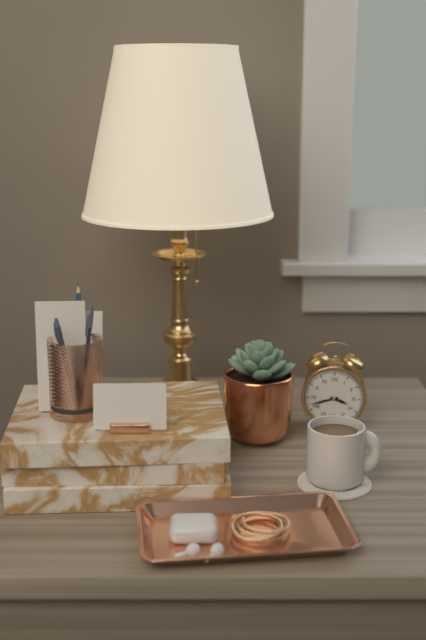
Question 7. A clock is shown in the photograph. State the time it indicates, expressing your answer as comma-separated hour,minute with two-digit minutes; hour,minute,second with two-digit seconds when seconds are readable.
3,42
